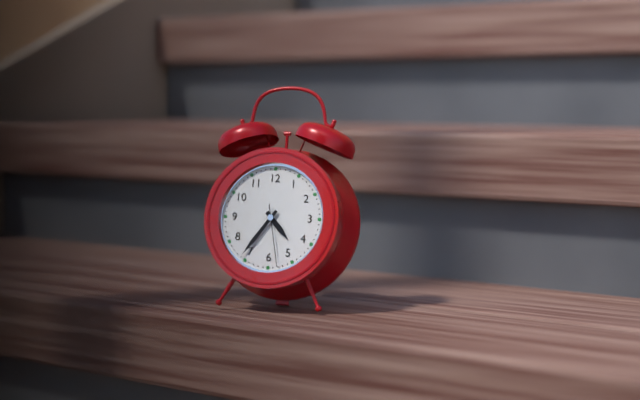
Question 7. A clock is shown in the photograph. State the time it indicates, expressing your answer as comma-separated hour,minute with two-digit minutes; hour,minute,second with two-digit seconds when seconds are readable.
4,36,28
